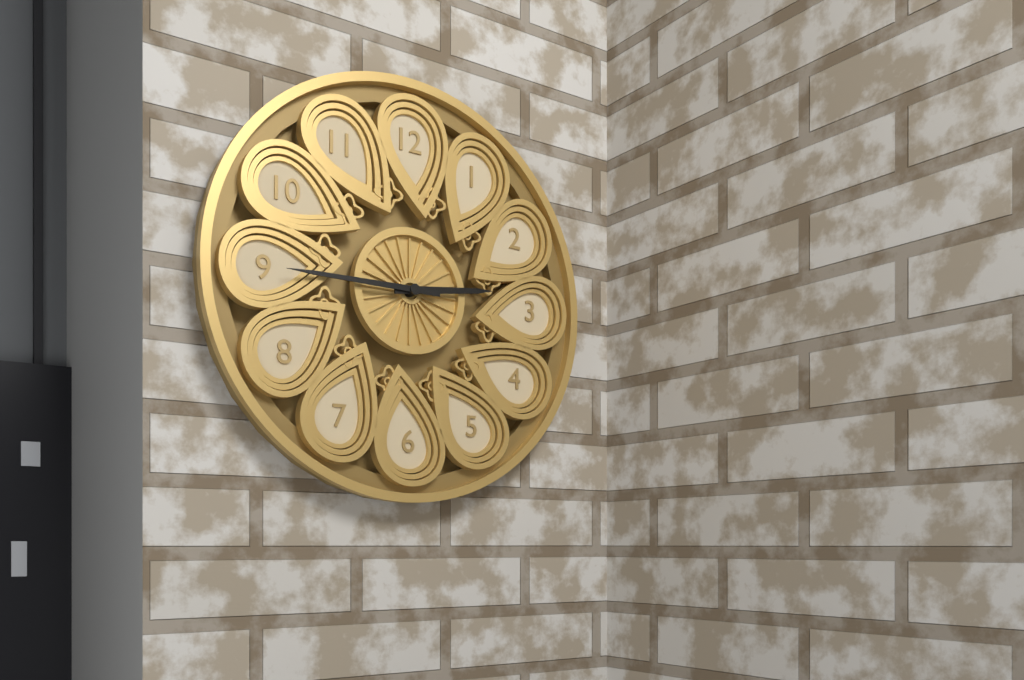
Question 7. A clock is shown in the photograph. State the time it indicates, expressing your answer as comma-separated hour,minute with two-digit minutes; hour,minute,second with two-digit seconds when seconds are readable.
2,45
